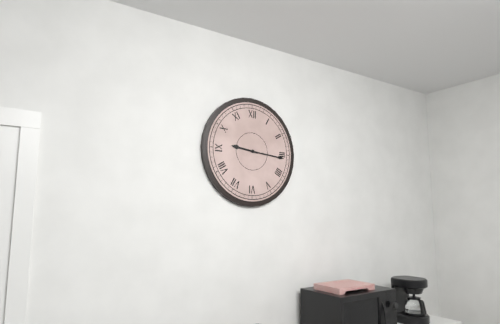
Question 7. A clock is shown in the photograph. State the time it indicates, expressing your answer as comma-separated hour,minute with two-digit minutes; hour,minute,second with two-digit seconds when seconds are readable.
9,16
